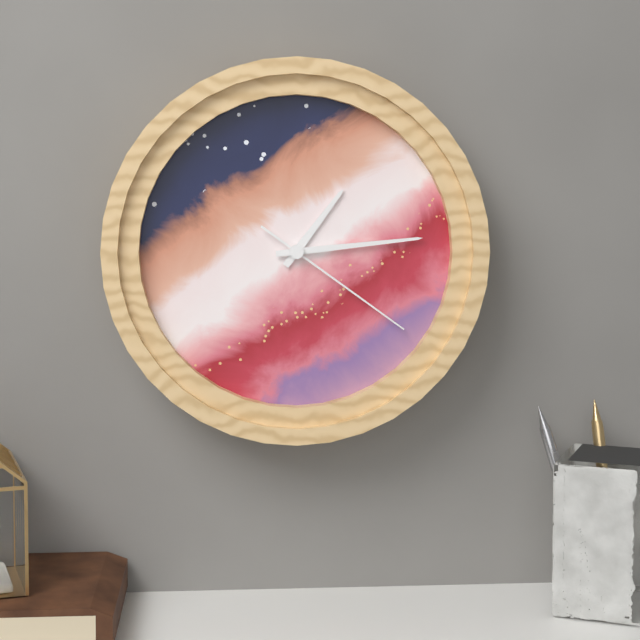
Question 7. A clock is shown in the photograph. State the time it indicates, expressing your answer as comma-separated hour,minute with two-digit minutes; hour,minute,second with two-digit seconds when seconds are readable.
1,14,21
